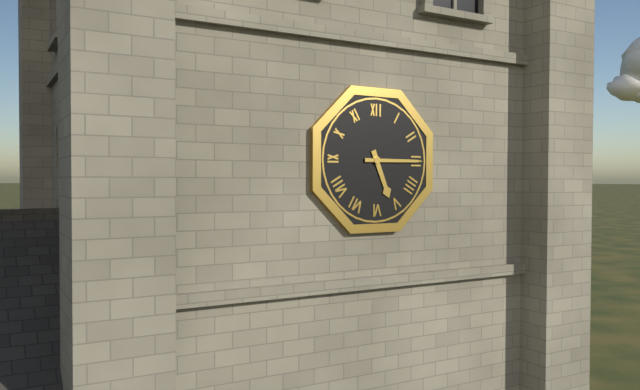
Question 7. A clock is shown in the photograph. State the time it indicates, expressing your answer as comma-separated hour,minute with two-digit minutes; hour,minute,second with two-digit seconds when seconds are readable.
5,15
